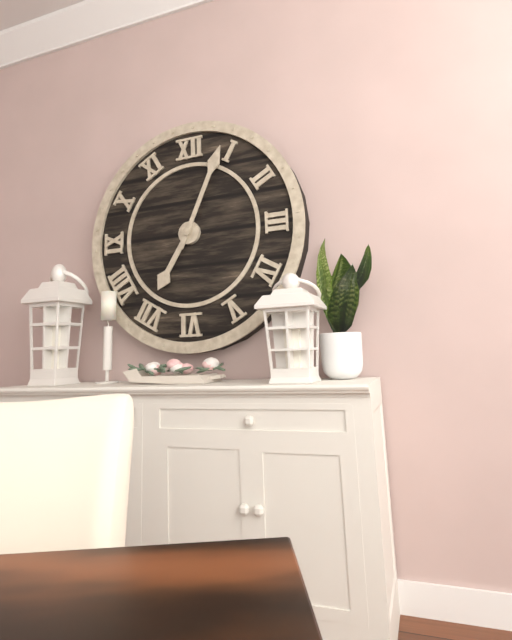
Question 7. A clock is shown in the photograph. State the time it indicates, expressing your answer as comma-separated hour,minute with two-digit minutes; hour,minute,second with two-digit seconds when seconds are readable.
7,04
